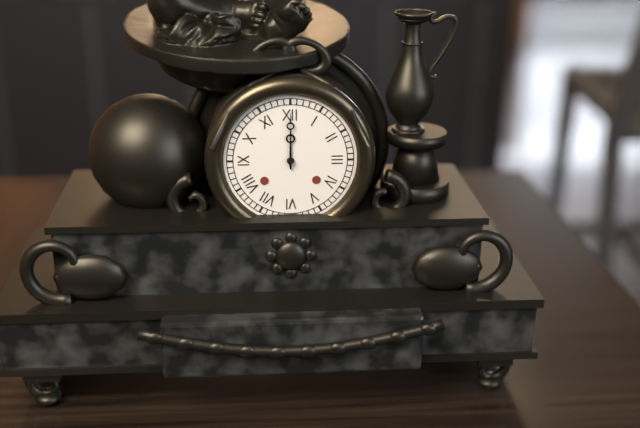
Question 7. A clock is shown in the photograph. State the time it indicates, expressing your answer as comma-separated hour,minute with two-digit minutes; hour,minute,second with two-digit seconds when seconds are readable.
12,00
